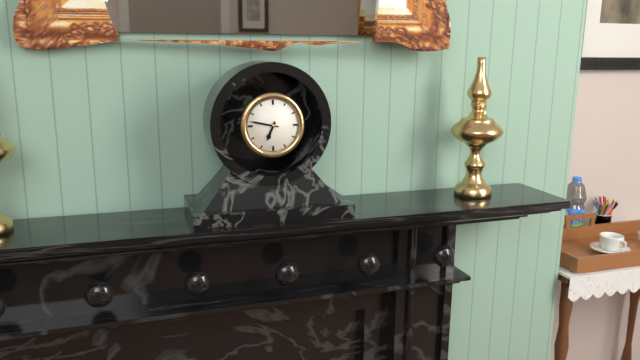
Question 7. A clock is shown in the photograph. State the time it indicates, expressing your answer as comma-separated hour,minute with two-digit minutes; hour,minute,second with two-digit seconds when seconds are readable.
6,47
